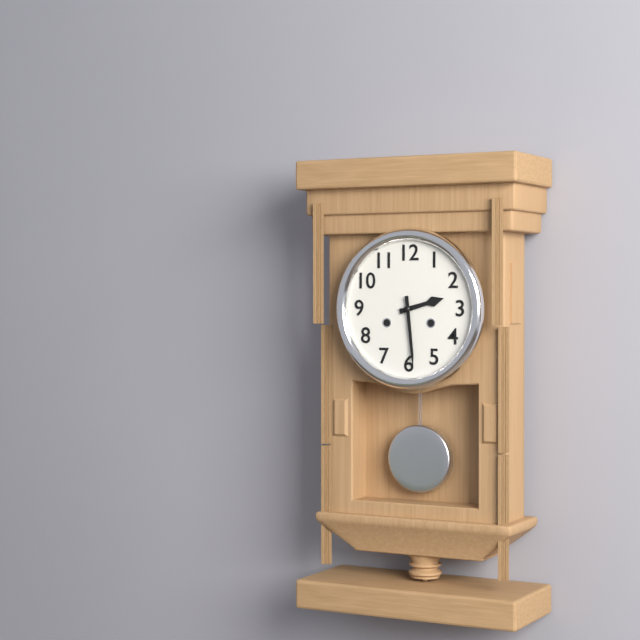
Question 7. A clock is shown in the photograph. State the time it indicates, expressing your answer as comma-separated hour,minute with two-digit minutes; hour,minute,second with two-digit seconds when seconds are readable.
2,29
